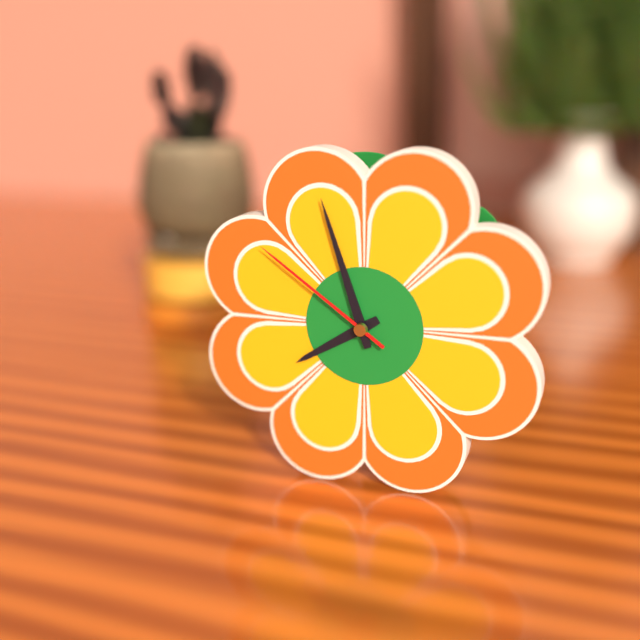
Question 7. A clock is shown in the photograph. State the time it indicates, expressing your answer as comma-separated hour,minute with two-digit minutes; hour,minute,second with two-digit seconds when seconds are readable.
7,57,51
